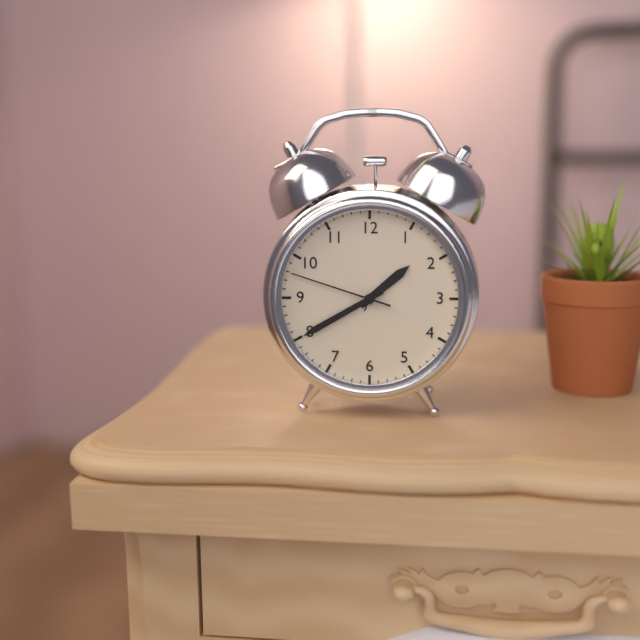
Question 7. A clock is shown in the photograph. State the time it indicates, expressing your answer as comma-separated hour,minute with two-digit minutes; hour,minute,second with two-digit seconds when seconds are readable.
1,40,48
